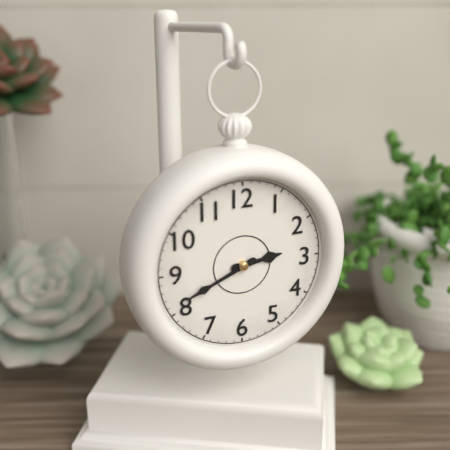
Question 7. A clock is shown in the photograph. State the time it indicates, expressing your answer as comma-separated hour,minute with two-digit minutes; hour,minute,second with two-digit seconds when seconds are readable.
2,41
